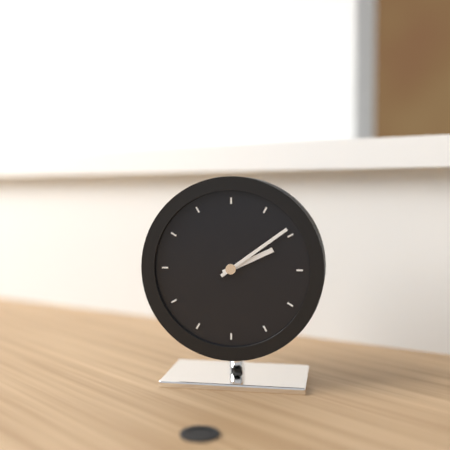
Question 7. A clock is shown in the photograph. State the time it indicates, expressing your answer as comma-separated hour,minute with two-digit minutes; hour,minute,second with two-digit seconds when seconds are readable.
2,09
